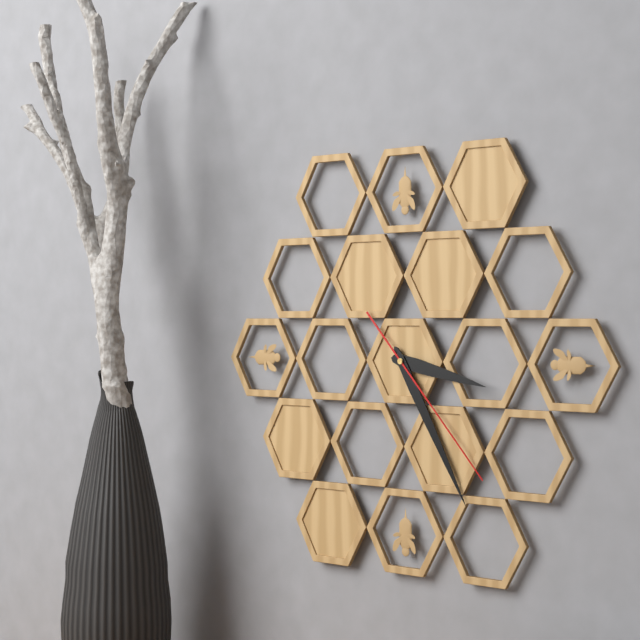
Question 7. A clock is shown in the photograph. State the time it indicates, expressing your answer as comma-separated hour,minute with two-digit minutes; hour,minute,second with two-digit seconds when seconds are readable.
3,25,23
